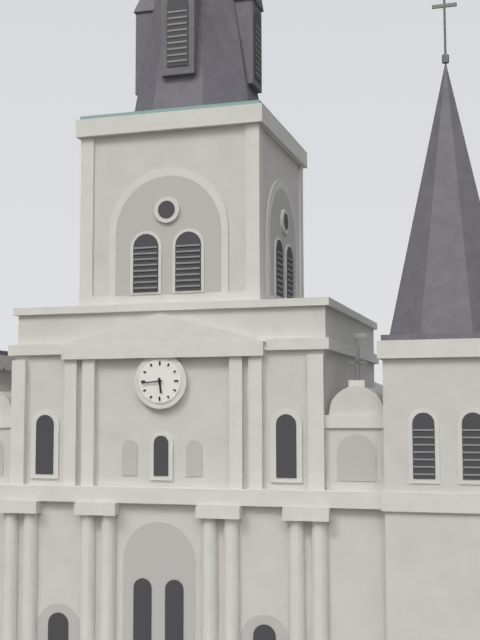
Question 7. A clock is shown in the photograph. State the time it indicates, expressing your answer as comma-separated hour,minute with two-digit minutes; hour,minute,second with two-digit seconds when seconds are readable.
5,44
